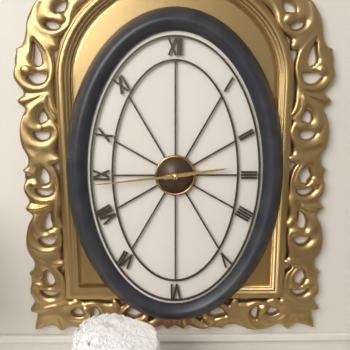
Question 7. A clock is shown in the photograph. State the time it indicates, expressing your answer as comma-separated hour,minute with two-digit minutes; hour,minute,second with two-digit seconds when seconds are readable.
2,44
